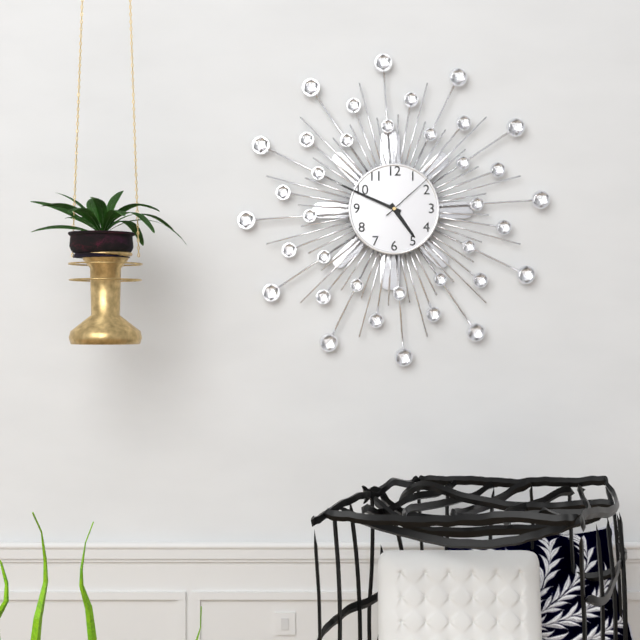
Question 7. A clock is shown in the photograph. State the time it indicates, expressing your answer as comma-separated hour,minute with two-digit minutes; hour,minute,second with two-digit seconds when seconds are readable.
4,49,08
